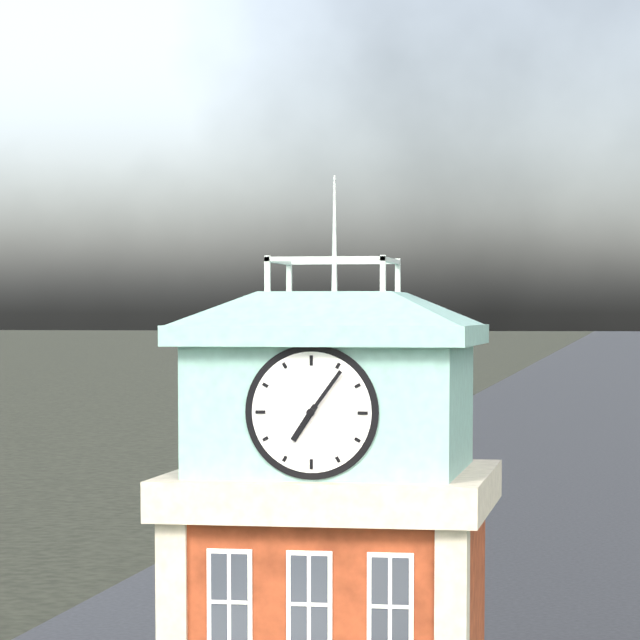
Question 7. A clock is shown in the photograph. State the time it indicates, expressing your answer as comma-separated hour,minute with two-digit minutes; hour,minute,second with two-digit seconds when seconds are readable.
7,06
